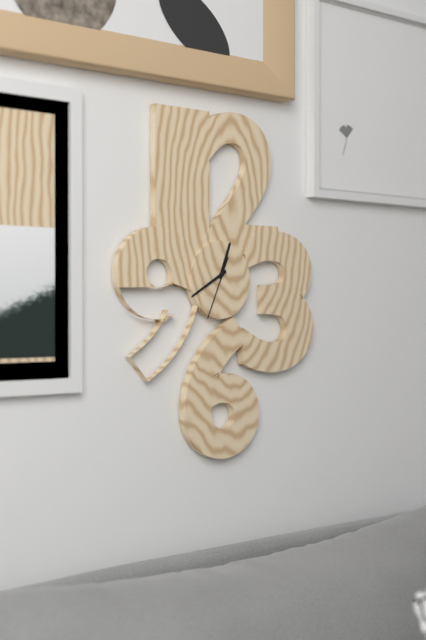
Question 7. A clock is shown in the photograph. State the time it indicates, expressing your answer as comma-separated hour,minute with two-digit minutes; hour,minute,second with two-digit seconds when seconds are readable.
12,40,34
